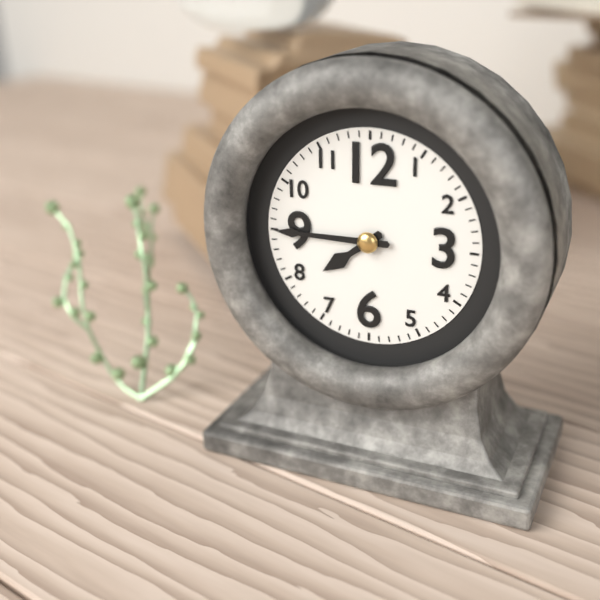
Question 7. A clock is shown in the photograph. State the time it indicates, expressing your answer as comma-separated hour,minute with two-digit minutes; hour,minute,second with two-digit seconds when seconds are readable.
7,45
